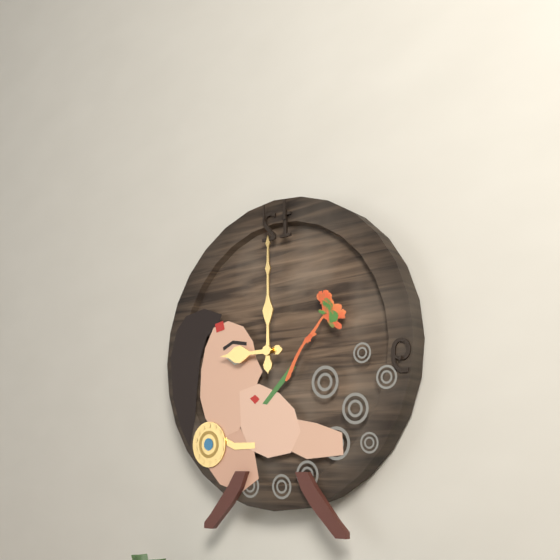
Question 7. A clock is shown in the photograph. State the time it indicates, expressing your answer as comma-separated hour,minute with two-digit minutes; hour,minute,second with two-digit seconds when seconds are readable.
9,00
